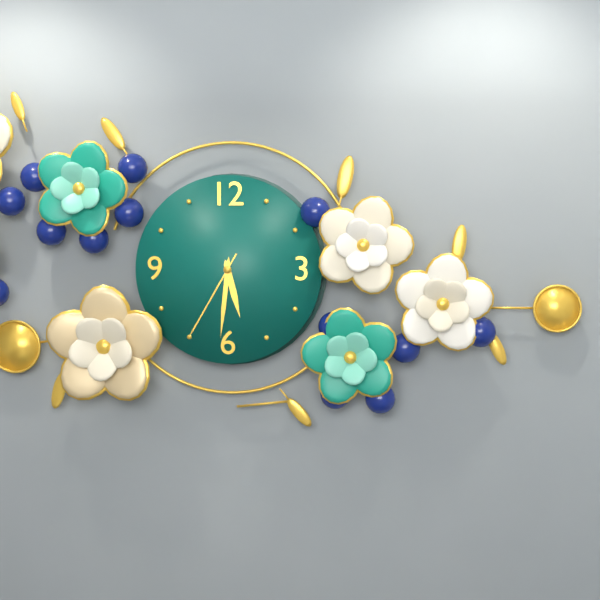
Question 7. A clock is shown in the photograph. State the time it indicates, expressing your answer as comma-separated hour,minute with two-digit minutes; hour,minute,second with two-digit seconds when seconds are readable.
5,31,35
